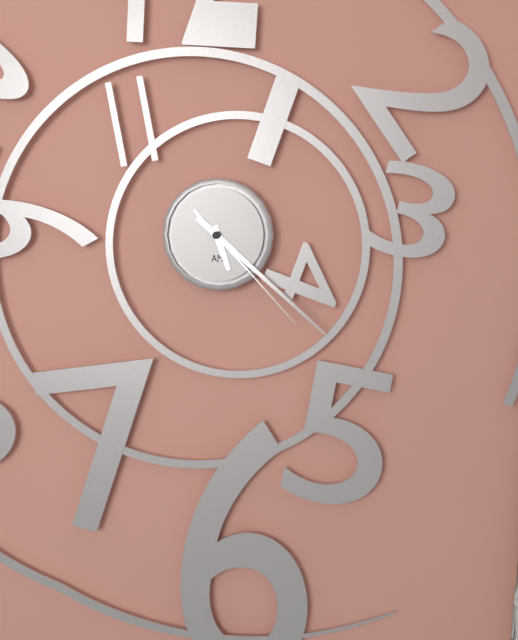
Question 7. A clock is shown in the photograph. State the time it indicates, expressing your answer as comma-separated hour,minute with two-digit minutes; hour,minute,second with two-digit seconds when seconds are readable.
5,22,23
